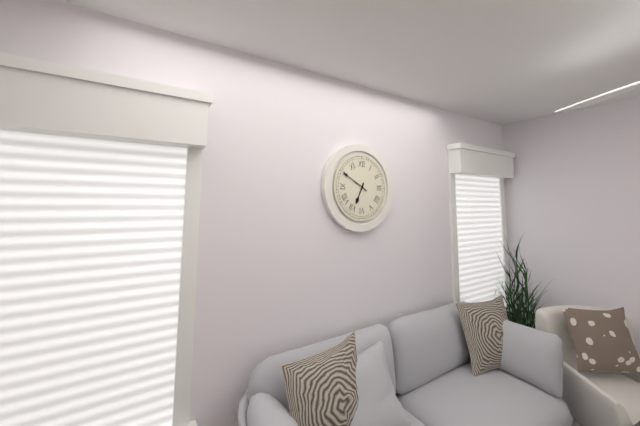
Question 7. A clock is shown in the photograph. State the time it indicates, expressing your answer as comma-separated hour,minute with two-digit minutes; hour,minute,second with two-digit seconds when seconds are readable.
6,50
